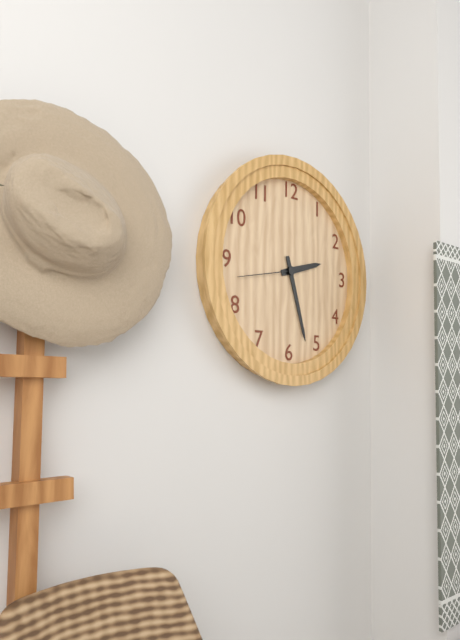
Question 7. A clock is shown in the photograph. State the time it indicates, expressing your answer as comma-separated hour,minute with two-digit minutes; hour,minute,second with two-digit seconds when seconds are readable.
2,27,43
